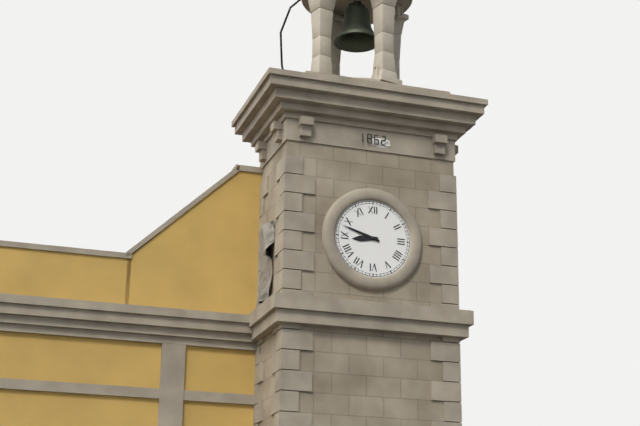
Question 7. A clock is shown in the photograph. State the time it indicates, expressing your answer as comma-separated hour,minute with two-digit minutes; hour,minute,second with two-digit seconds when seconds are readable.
8,48
